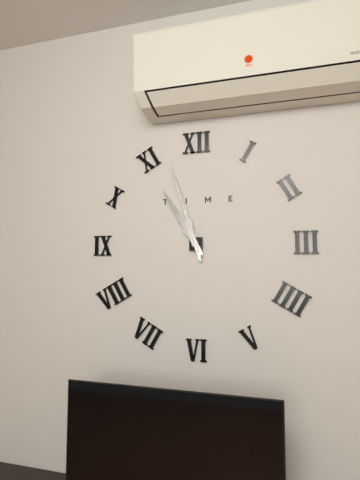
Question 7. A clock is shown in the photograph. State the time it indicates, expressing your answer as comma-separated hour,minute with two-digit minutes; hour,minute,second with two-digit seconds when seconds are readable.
10,57
